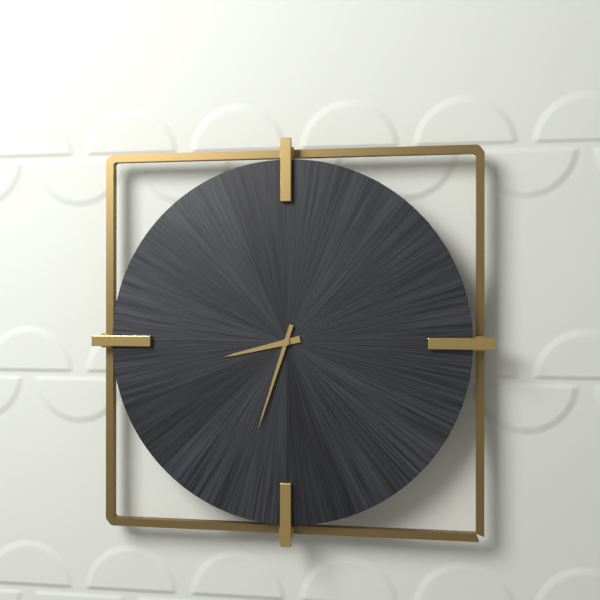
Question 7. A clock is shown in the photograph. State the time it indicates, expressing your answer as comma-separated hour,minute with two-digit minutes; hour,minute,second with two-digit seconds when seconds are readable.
8,33
